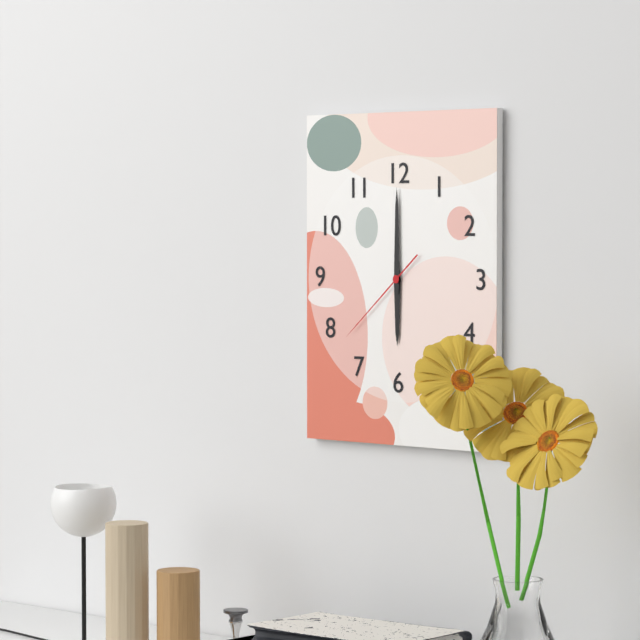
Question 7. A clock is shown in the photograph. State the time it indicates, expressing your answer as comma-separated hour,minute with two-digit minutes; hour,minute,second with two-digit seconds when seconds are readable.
6,00,38
